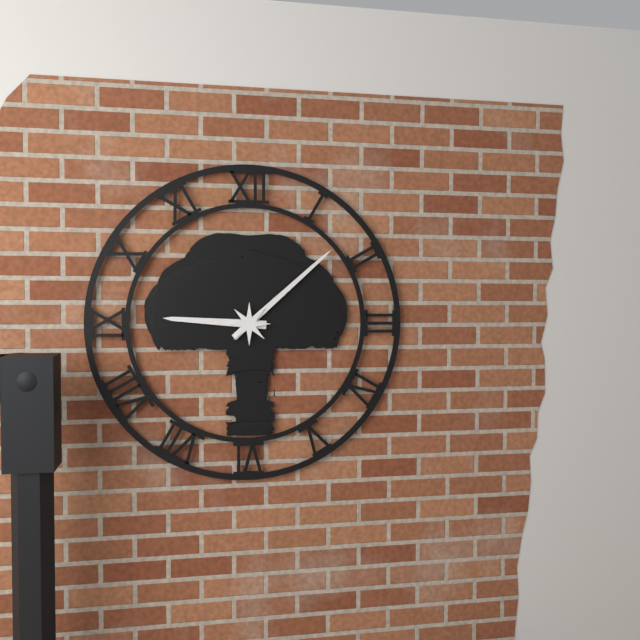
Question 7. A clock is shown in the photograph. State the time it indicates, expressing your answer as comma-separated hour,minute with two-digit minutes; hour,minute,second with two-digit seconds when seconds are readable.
9,08
